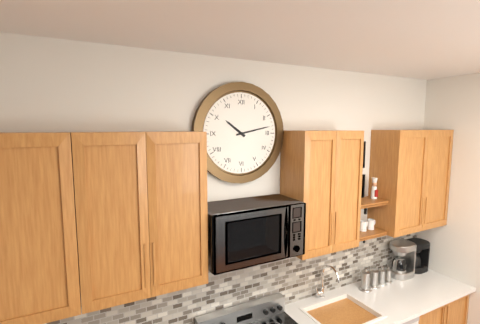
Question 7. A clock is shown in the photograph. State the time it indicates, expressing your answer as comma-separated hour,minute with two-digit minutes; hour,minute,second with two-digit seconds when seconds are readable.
10,13
